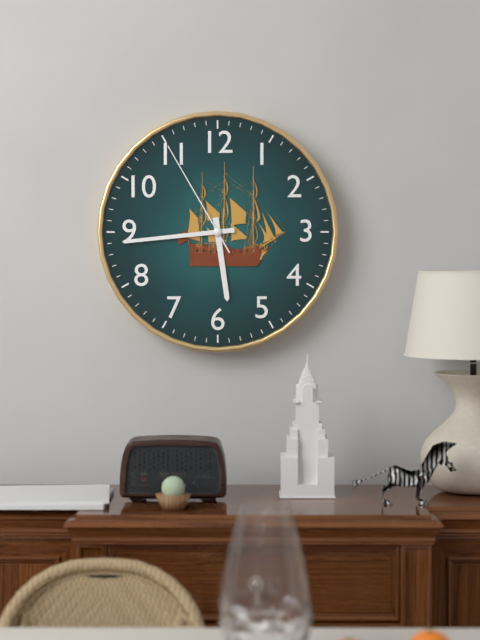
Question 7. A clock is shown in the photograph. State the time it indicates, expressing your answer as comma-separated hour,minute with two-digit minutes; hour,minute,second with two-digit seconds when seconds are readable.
5,44,55
